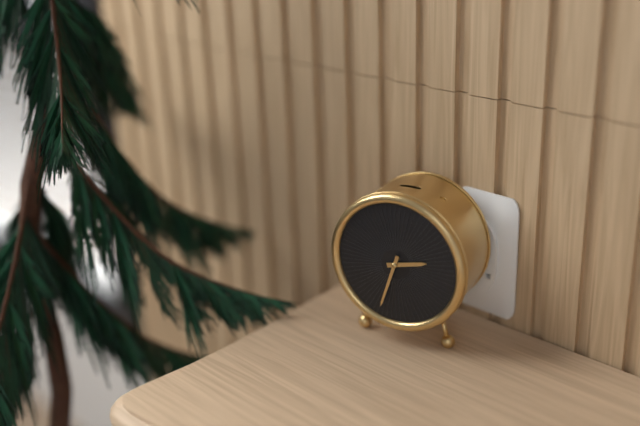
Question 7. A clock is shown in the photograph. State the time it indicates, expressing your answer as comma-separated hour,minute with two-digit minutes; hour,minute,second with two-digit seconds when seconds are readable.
2,33
